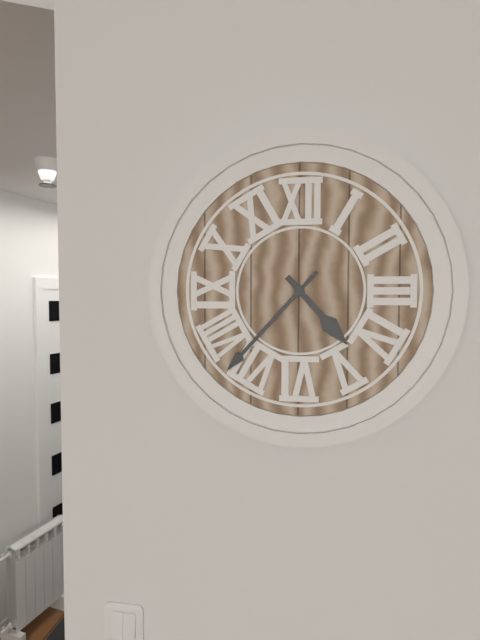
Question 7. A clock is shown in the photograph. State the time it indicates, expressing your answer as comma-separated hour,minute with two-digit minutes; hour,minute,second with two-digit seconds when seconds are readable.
4,37
